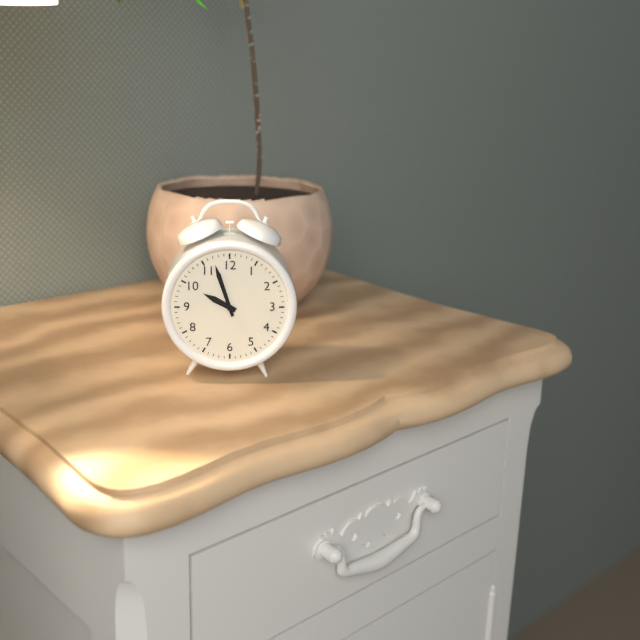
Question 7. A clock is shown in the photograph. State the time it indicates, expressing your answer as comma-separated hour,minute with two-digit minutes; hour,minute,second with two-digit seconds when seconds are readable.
9,57
